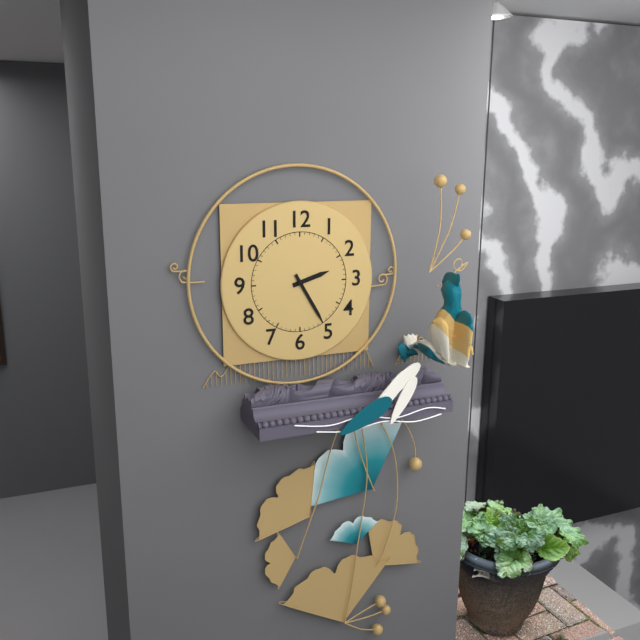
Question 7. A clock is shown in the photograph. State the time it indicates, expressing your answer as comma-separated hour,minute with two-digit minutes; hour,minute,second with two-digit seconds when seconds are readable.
2,25
